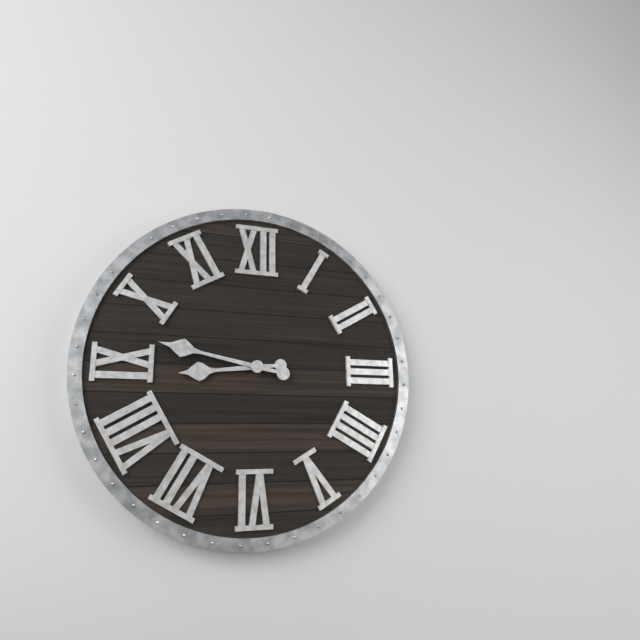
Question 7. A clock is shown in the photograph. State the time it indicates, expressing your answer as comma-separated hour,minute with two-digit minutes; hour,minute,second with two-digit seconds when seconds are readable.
8,47
